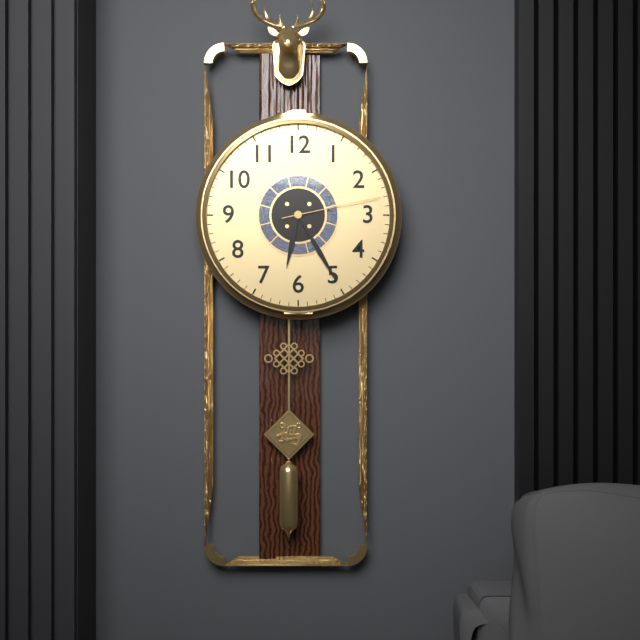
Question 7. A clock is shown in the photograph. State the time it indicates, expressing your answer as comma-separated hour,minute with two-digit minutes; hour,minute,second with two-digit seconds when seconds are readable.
6,25,13
